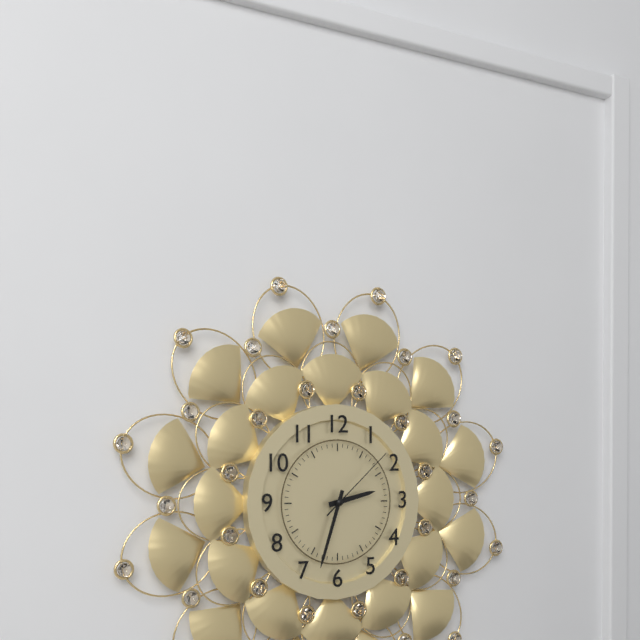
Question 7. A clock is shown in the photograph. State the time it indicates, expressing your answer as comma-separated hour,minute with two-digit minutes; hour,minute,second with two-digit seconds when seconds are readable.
2,33,08
